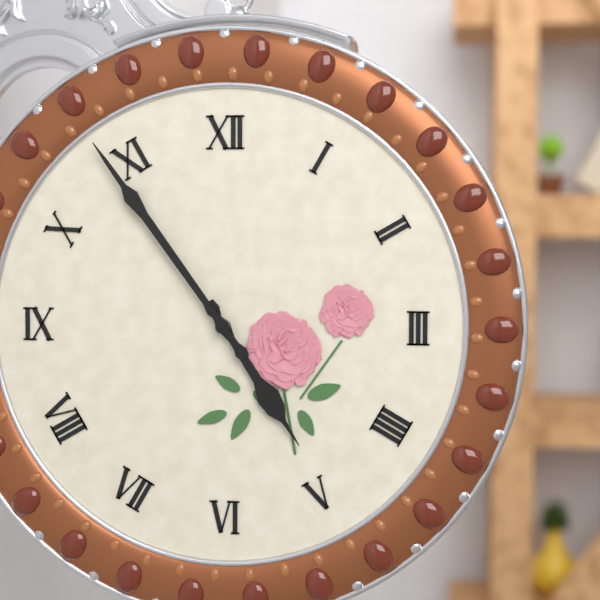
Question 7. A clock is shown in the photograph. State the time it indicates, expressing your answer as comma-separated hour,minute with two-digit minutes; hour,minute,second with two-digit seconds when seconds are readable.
4,54
